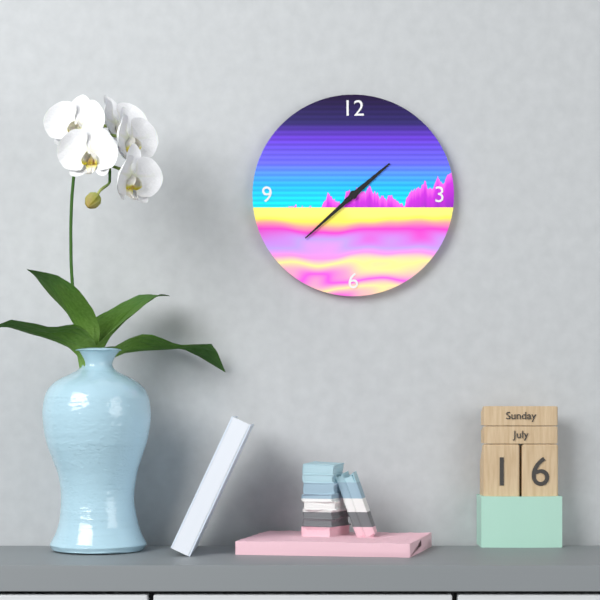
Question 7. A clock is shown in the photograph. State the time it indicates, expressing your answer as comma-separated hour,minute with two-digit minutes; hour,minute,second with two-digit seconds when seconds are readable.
1,38
